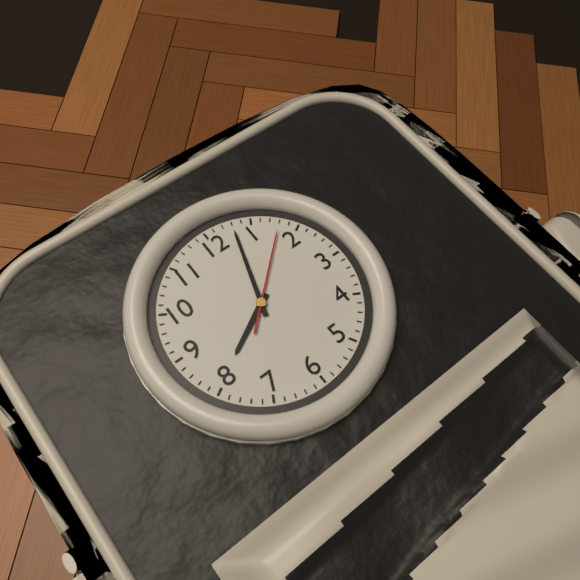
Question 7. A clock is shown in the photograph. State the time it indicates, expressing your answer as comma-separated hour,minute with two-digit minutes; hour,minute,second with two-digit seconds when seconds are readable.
8,03,08
